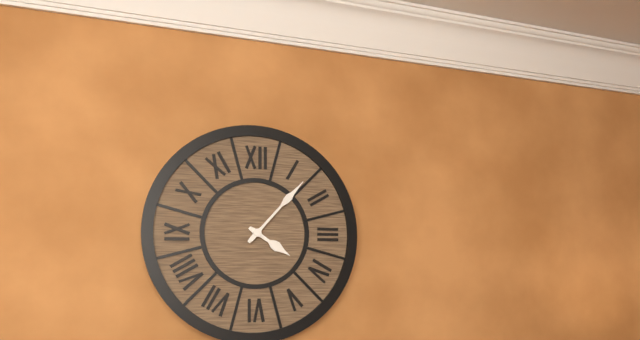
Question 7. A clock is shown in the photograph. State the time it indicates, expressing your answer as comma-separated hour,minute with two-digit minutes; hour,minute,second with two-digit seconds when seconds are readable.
4,07
